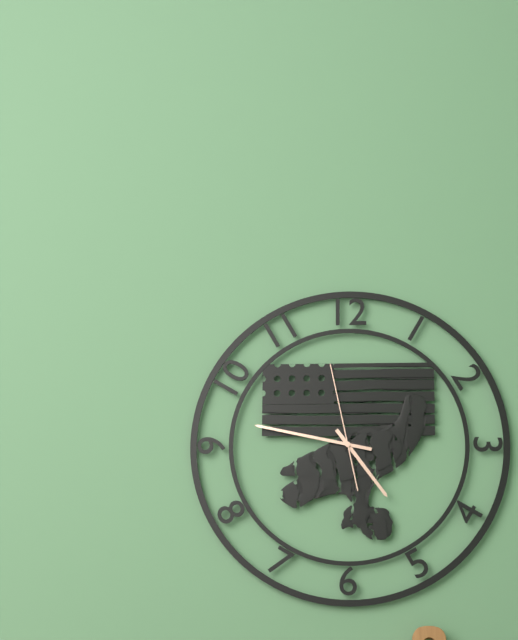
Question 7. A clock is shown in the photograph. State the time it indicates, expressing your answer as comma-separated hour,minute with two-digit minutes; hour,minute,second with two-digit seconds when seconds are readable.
4,47,58
